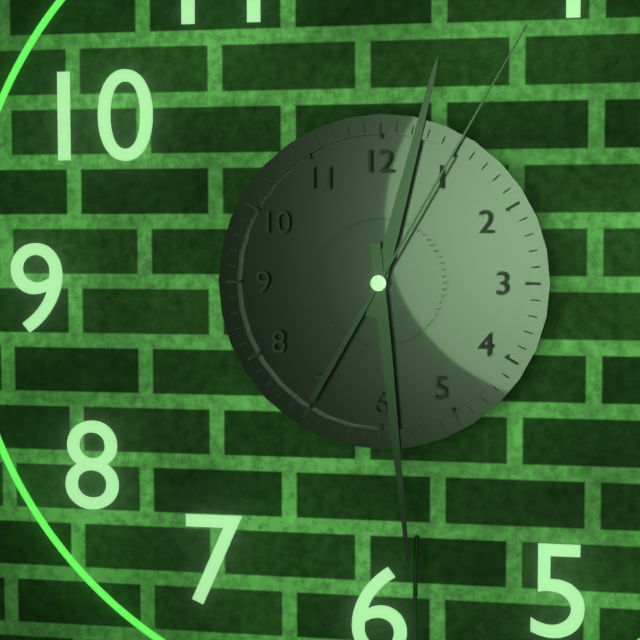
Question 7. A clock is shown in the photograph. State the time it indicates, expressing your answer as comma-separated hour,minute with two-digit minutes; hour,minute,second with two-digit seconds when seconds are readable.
12,29,05
